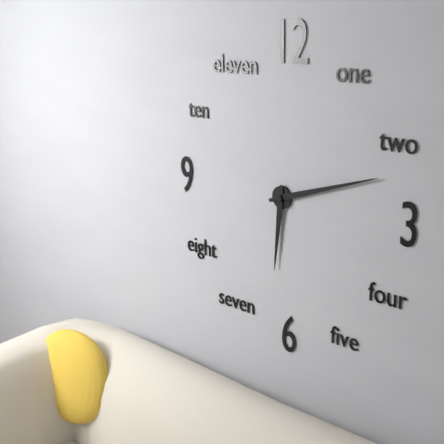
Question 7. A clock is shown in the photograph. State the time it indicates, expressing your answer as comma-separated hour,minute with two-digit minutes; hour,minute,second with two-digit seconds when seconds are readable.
6,12
